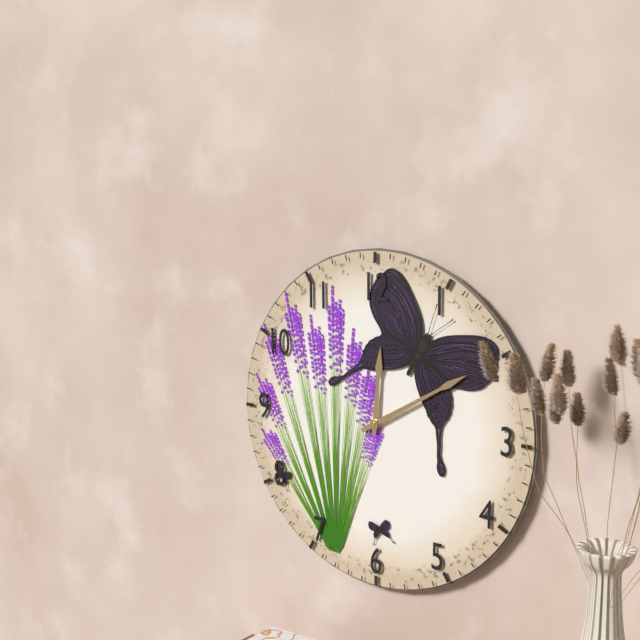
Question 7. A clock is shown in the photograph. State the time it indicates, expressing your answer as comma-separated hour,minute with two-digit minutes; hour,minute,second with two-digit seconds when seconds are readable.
12,10
